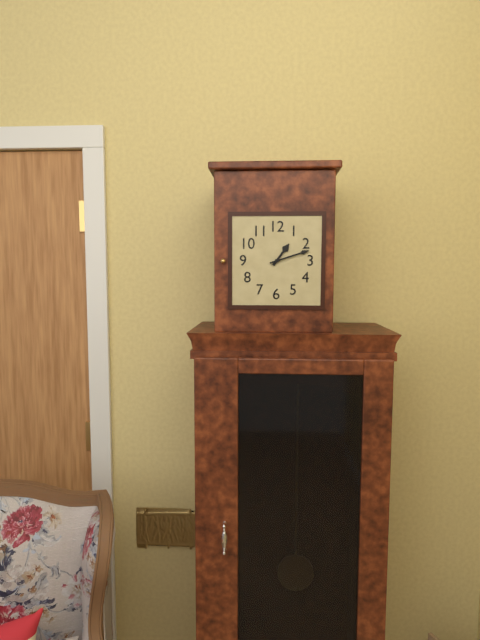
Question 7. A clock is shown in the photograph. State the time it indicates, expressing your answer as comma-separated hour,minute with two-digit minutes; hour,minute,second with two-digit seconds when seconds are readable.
1,12
